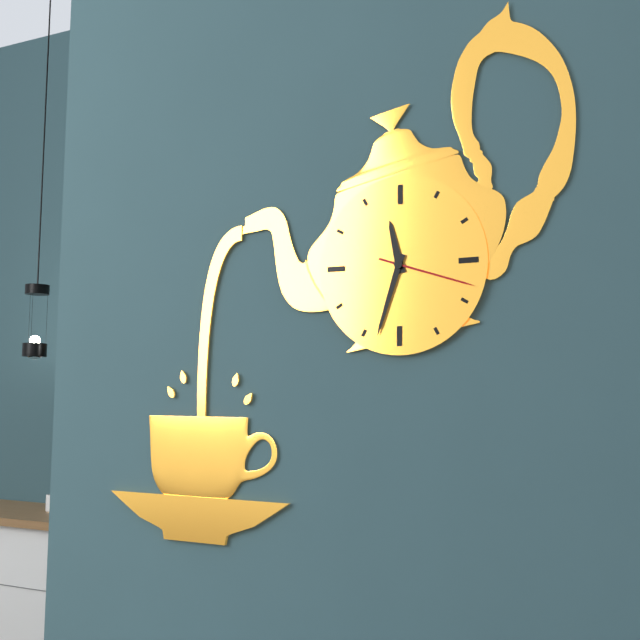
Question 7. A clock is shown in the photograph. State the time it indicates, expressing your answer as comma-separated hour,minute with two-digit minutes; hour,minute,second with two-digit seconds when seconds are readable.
11,33,18
